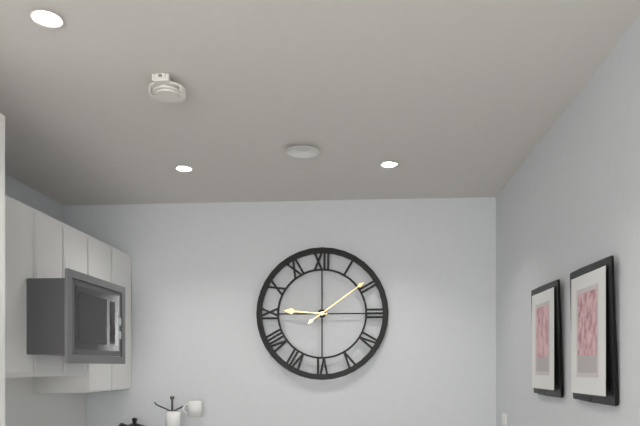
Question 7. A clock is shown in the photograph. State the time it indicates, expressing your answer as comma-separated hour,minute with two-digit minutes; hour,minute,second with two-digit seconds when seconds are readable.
9,09
